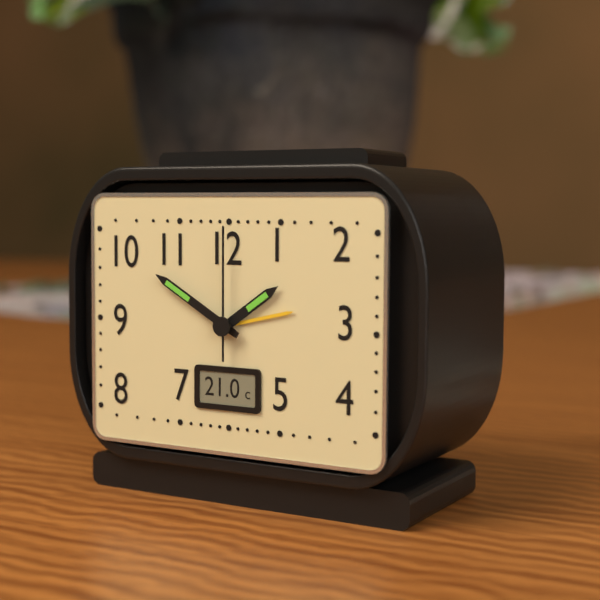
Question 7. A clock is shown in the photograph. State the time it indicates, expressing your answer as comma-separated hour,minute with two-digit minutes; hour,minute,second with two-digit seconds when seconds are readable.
1,50,00
